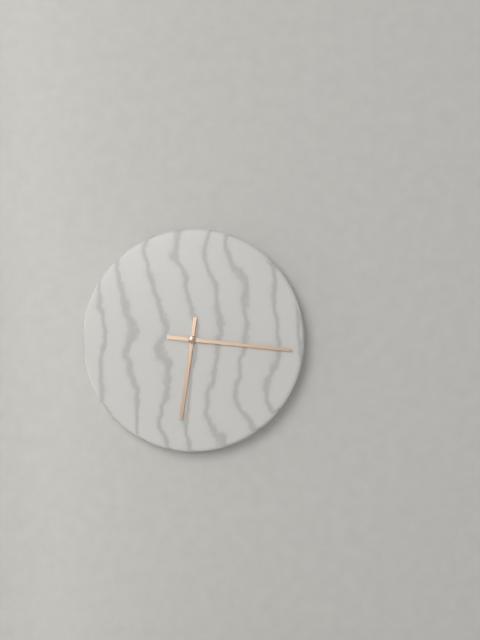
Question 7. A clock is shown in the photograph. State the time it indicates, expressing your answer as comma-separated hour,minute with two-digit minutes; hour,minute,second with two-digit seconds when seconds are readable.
6,16
